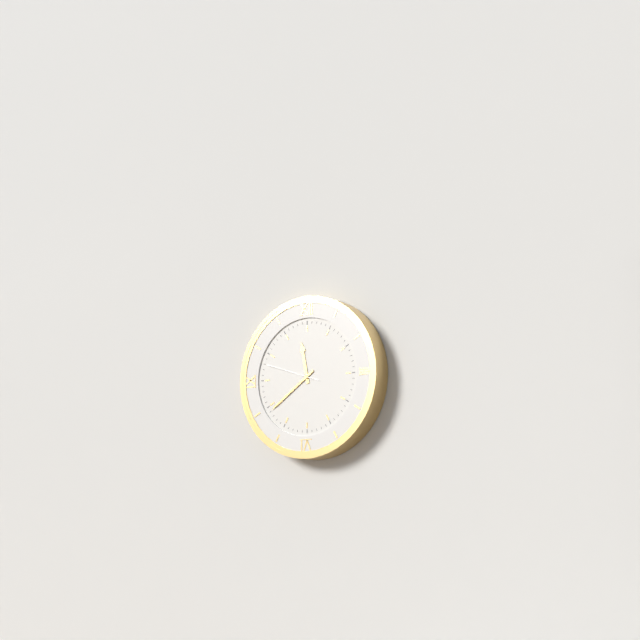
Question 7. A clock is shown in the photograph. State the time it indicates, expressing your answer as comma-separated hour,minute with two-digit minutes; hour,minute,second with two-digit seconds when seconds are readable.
11,39,48
